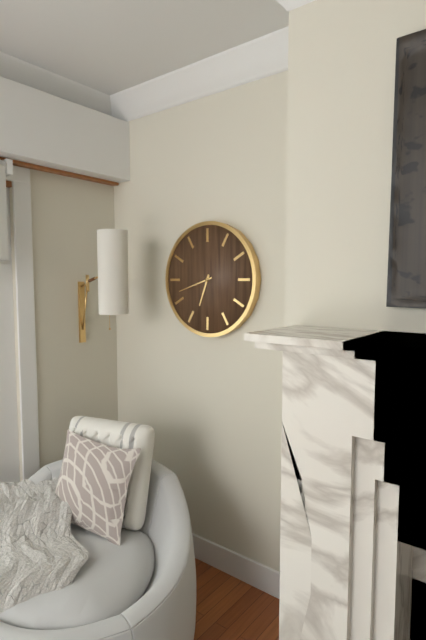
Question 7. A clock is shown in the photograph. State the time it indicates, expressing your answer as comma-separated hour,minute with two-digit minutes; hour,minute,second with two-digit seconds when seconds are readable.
6,42
